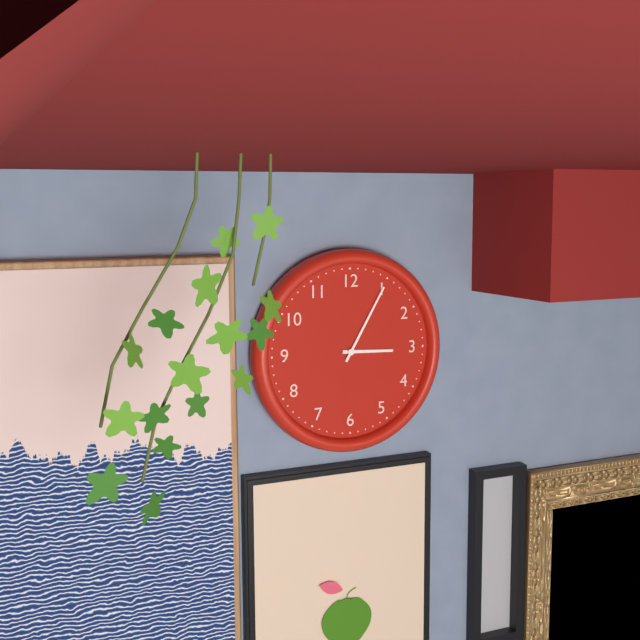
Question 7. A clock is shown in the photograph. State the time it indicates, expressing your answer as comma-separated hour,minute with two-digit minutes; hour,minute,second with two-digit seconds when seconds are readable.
3,05
